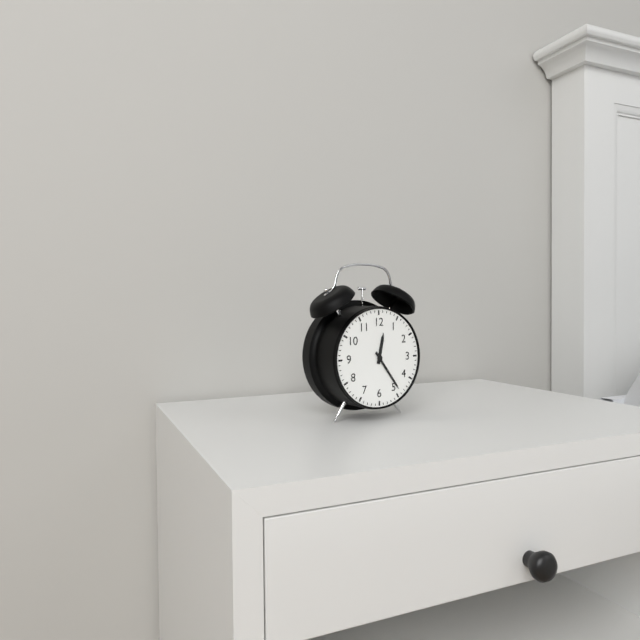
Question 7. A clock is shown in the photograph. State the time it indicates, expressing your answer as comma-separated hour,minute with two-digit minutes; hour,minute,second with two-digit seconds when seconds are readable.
12,24
